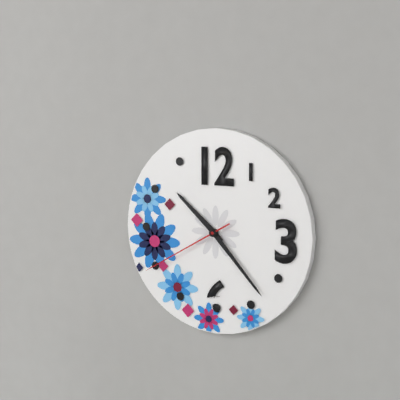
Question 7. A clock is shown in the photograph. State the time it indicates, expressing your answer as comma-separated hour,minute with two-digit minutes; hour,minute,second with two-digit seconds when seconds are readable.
10,23,40
